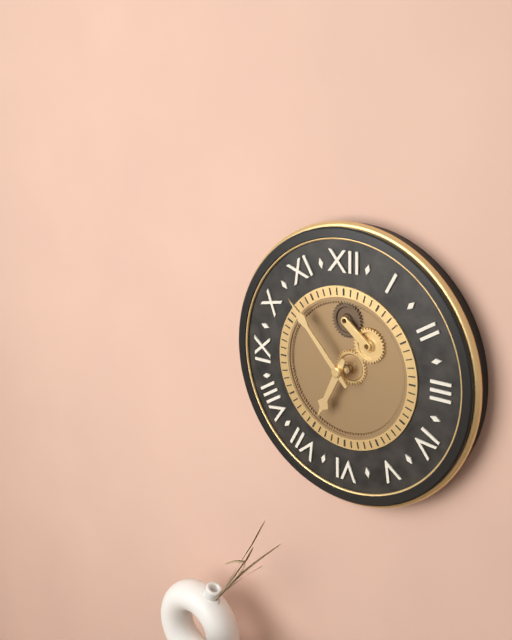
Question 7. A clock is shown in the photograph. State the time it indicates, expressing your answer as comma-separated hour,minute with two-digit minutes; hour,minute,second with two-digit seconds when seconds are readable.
6,53
